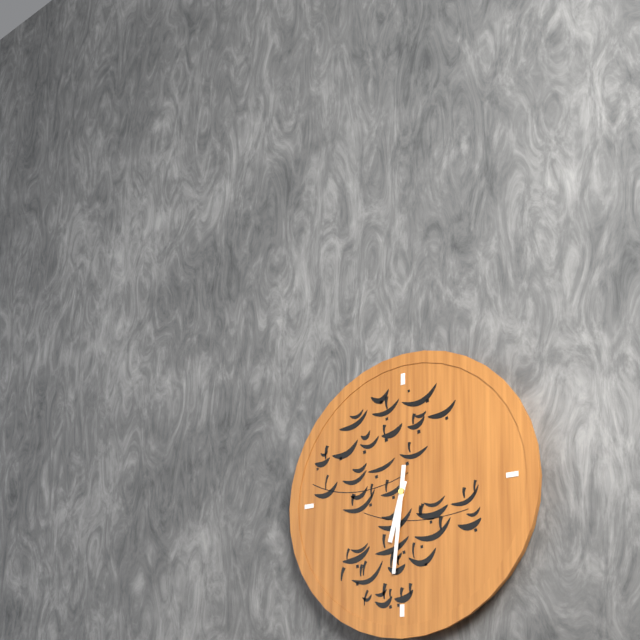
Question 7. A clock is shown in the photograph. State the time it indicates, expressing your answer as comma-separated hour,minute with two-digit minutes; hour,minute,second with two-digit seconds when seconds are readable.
6,31
